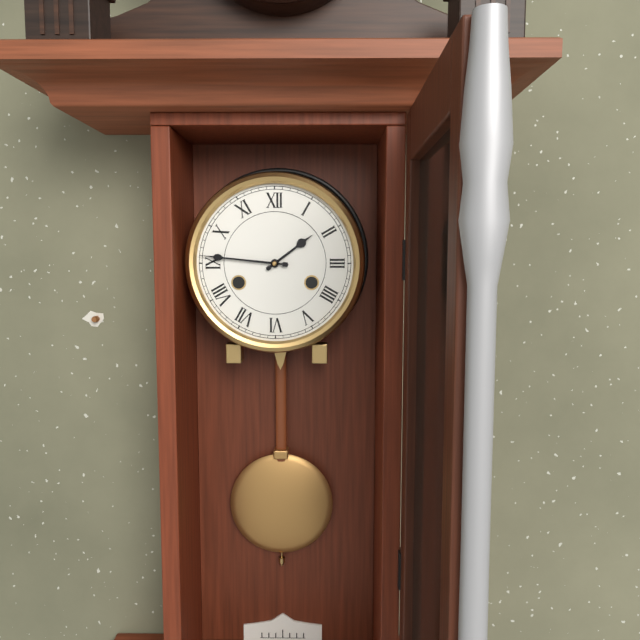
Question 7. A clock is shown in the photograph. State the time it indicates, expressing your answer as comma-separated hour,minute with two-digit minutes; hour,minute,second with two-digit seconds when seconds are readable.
1,46
